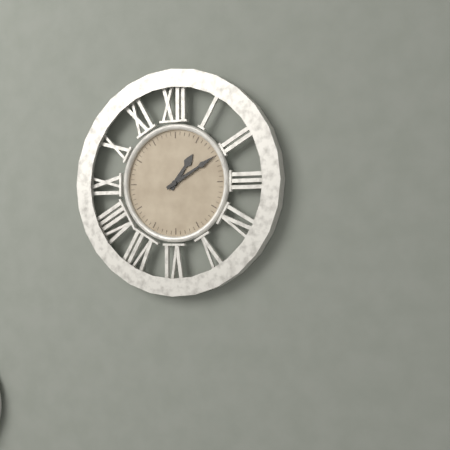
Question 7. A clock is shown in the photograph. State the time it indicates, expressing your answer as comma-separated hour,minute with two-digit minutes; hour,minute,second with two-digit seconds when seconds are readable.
1,10
